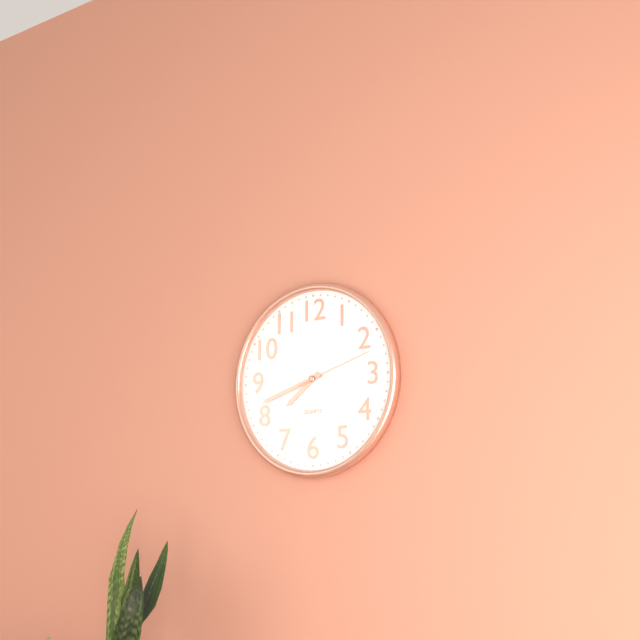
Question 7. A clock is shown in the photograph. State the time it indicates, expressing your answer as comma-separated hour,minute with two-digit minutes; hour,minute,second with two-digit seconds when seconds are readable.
7,42,12
